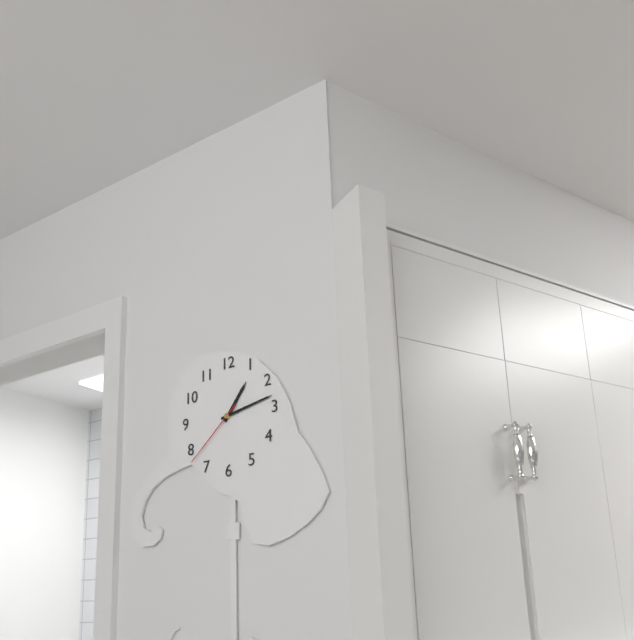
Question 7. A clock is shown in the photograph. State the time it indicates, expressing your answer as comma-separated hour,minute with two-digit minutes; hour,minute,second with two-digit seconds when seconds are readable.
1,13,38
